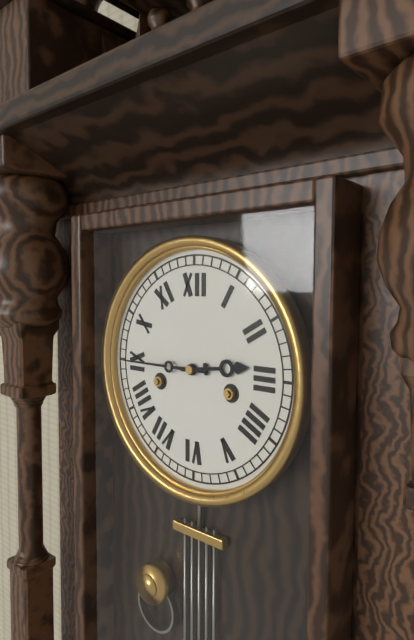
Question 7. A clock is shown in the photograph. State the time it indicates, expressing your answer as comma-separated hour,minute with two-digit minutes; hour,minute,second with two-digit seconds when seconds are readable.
2,45
